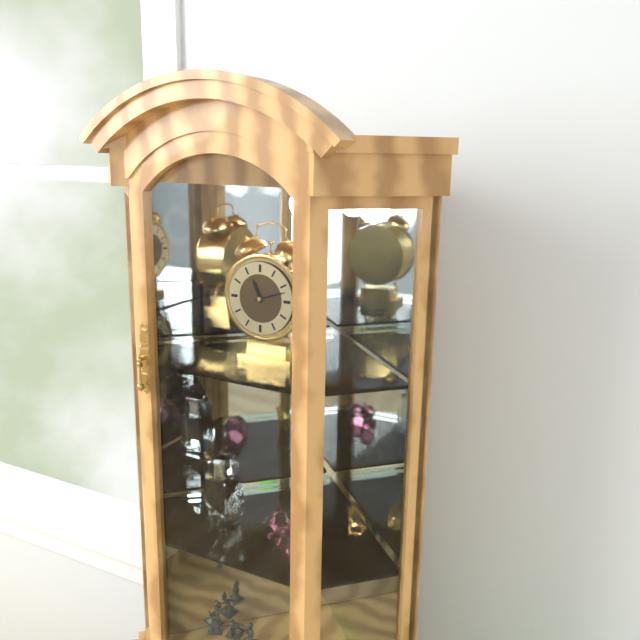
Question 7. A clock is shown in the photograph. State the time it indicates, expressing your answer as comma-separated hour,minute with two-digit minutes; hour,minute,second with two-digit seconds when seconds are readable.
11,12
